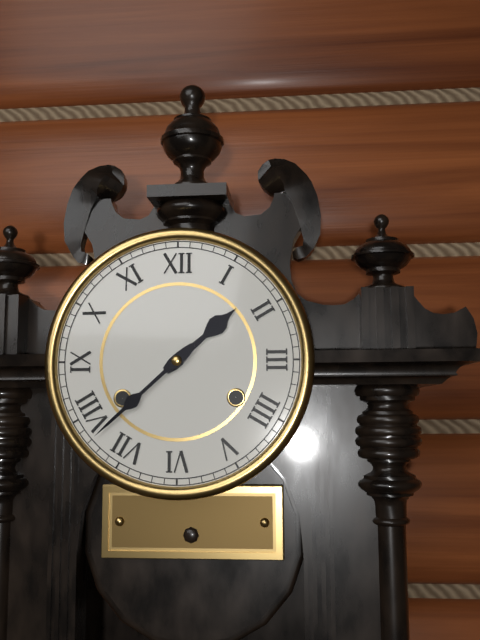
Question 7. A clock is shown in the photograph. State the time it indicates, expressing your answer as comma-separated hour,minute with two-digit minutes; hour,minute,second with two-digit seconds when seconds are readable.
1,38
